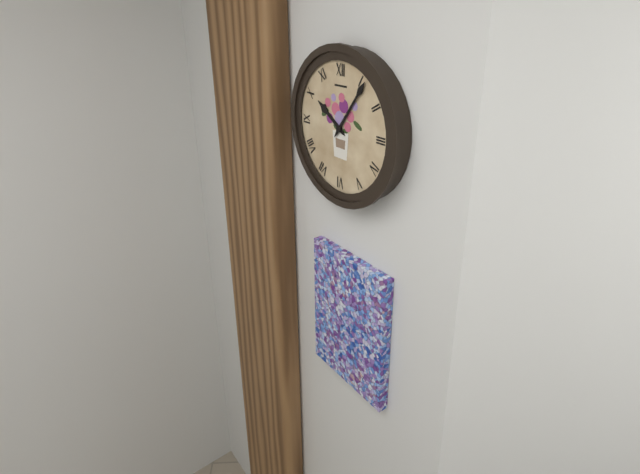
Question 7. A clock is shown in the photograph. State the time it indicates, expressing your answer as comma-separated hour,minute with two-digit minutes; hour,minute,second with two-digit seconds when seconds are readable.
10,06
